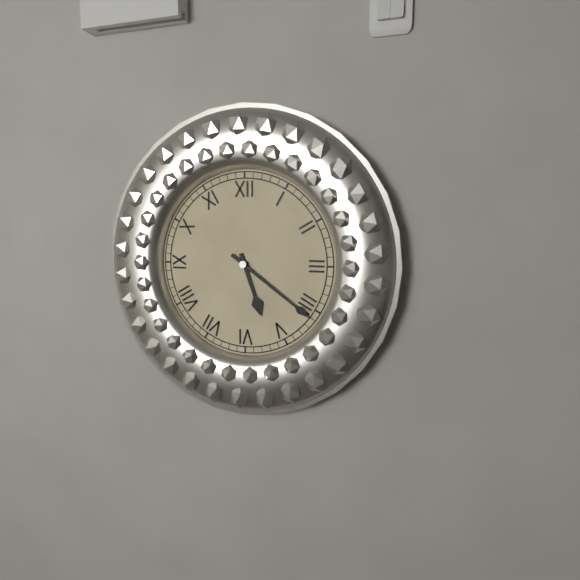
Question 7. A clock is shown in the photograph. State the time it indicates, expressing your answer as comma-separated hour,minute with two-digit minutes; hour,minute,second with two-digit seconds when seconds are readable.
5,21
